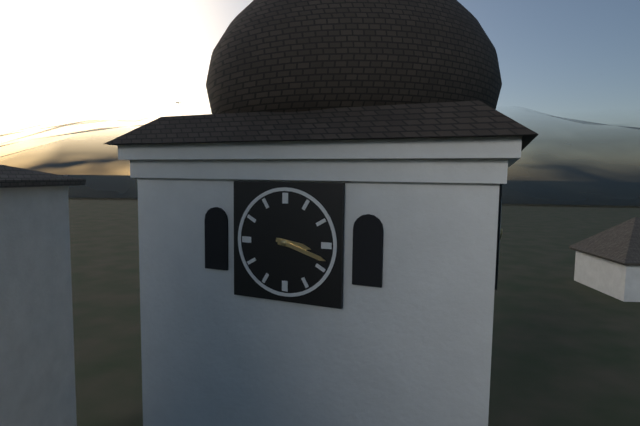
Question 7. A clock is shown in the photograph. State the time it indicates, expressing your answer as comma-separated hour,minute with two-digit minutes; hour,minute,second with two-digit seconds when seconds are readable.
3,18
